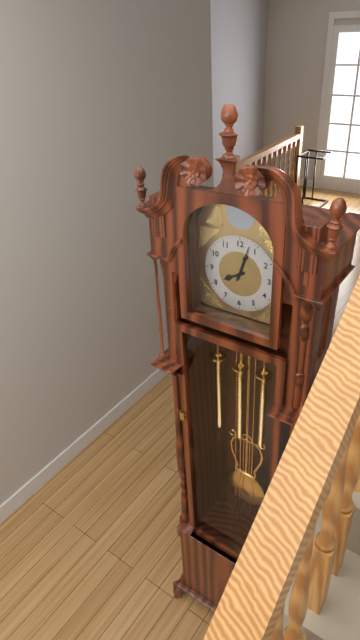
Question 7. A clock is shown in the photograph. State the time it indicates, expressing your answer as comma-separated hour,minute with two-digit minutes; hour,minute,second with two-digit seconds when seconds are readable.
8,03
